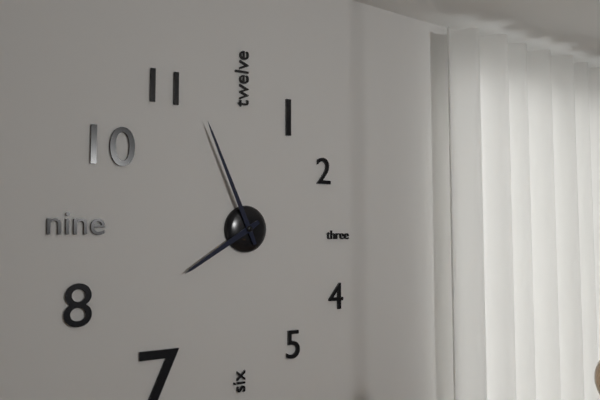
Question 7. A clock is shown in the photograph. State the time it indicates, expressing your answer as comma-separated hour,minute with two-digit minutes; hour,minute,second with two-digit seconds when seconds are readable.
7,56
